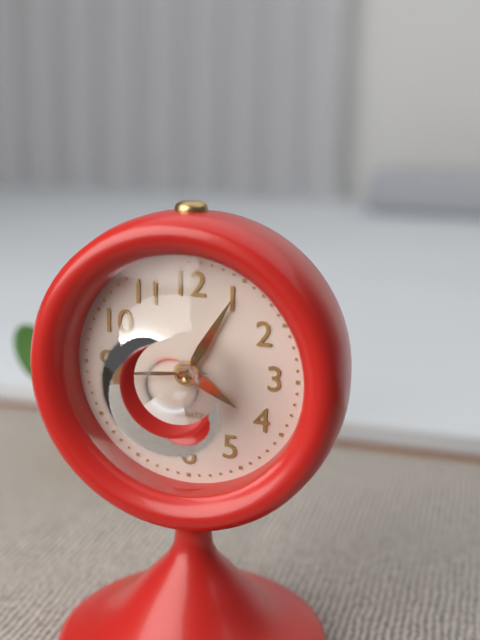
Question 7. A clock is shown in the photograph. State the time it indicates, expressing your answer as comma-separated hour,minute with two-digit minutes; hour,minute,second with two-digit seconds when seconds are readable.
4,05,44
